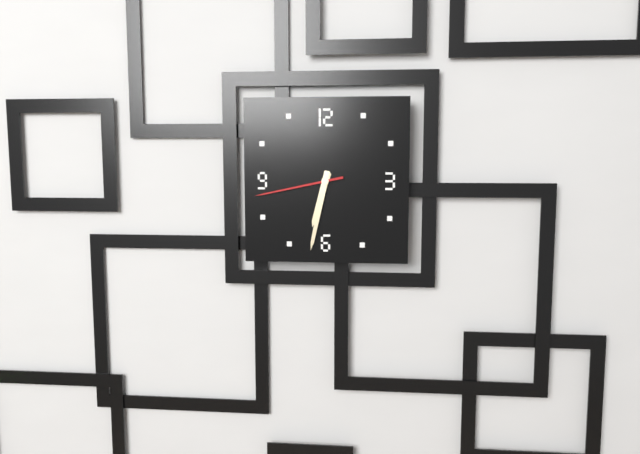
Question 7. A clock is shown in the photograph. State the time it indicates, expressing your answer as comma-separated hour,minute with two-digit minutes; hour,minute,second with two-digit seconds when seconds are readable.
6,32,43
